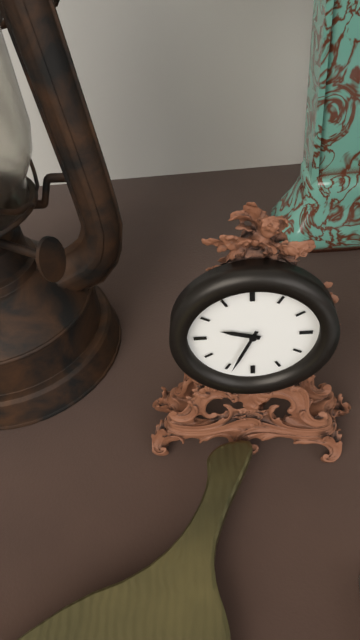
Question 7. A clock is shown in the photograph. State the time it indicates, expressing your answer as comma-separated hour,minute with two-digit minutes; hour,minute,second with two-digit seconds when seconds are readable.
9,34
